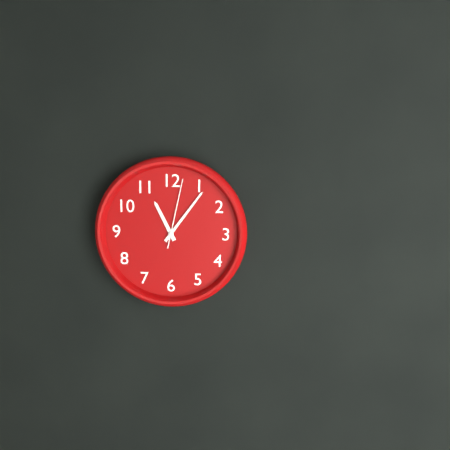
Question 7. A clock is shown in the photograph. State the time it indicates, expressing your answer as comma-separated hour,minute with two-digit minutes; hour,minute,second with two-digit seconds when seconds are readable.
11,06,02
